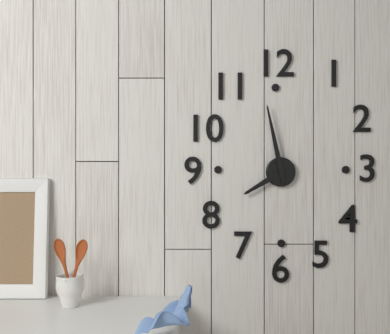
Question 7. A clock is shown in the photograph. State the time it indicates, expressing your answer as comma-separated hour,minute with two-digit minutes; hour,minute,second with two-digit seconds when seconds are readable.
7,58
